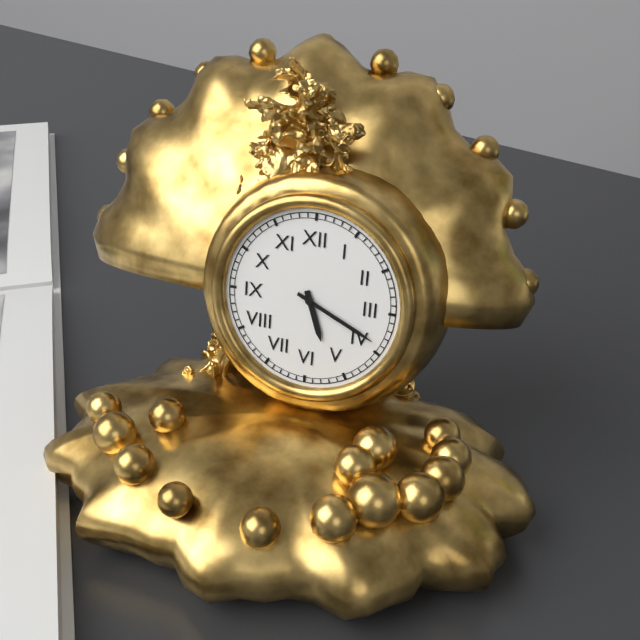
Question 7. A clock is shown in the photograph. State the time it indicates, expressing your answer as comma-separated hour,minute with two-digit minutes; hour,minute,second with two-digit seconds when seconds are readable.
5,19
